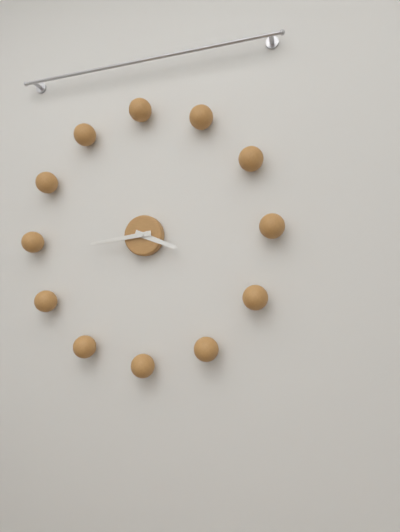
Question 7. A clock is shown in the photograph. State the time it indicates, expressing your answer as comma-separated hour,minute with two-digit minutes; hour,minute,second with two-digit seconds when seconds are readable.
3,44
